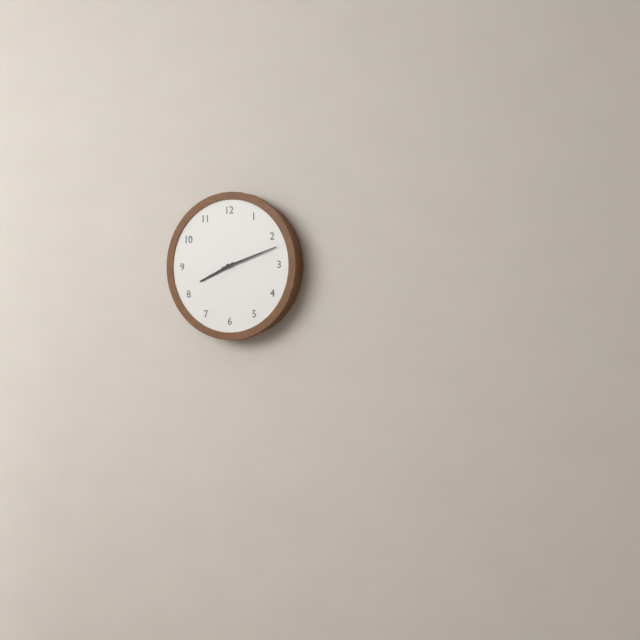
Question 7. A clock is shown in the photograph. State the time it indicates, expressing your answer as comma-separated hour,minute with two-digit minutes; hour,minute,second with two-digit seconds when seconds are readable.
8,12
